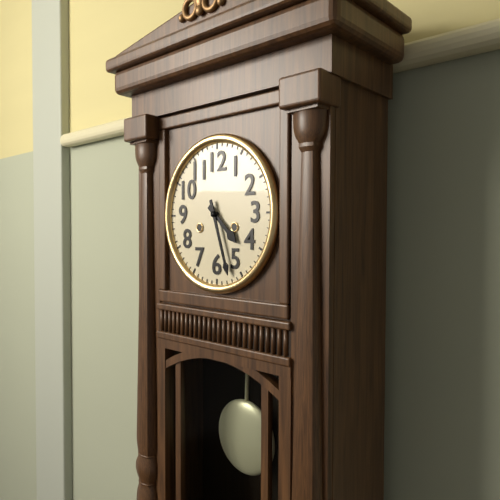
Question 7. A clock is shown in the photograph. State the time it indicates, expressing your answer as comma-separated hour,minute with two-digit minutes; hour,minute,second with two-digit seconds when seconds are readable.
4,27
